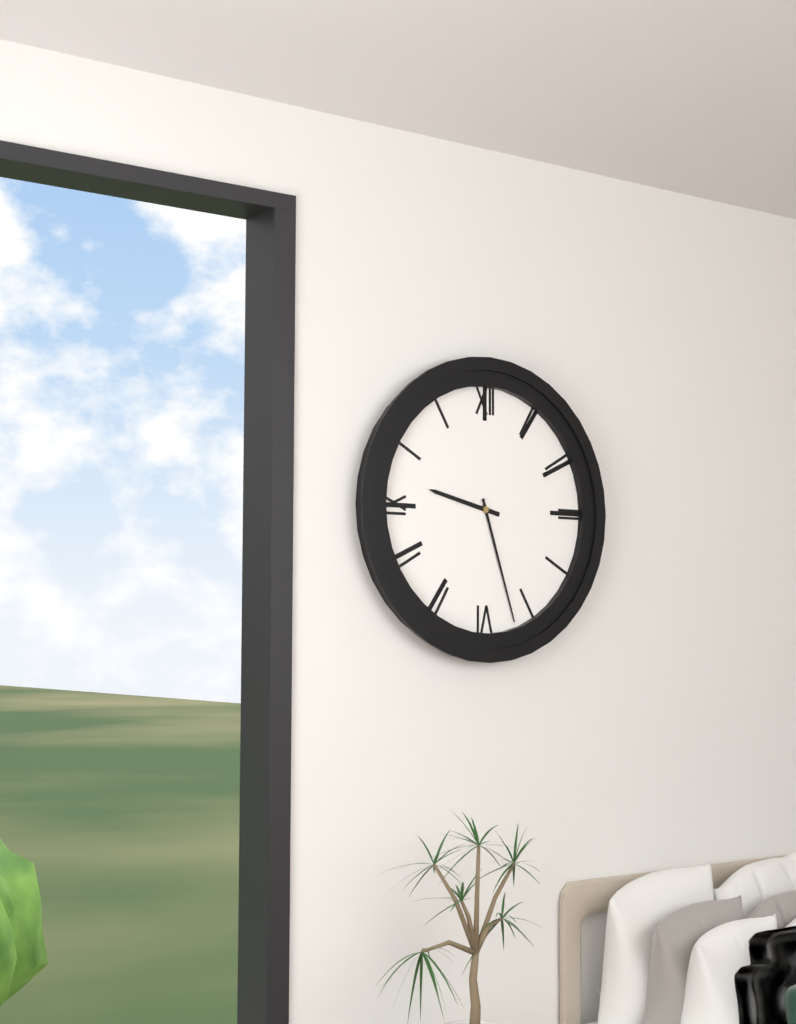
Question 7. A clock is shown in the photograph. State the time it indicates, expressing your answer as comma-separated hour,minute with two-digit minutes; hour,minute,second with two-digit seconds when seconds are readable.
9,27
